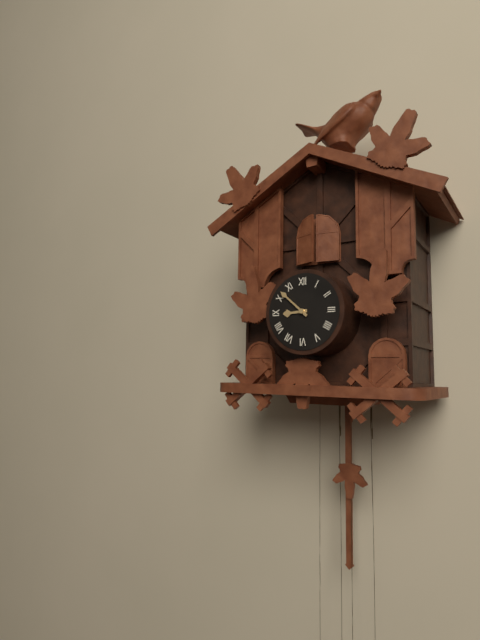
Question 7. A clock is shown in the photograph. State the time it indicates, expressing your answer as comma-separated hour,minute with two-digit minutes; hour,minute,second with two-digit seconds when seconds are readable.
8,52
